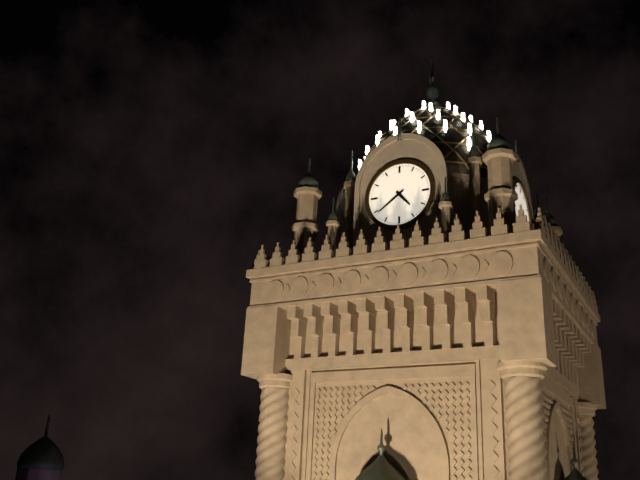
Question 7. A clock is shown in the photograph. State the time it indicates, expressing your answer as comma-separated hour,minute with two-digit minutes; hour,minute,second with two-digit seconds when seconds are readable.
4,39
